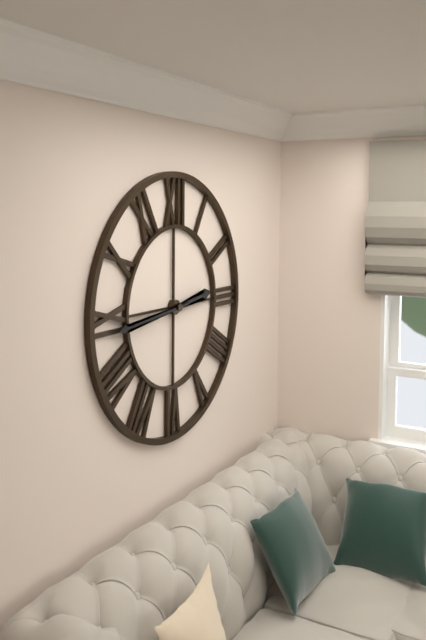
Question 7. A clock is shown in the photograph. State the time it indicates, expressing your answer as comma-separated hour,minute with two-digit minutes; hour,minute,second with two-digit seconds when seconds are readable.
2,44
